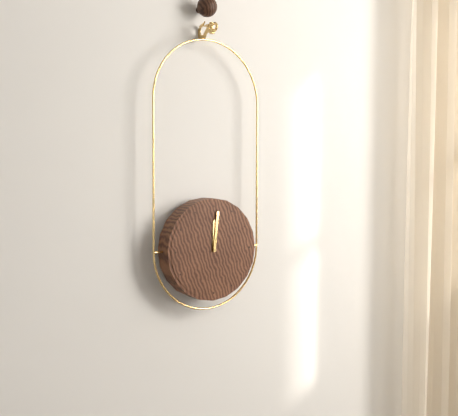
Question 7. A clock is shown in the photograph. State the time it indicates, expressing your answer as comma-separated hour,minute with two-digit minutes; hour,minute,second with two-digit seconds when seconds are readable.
12,01
